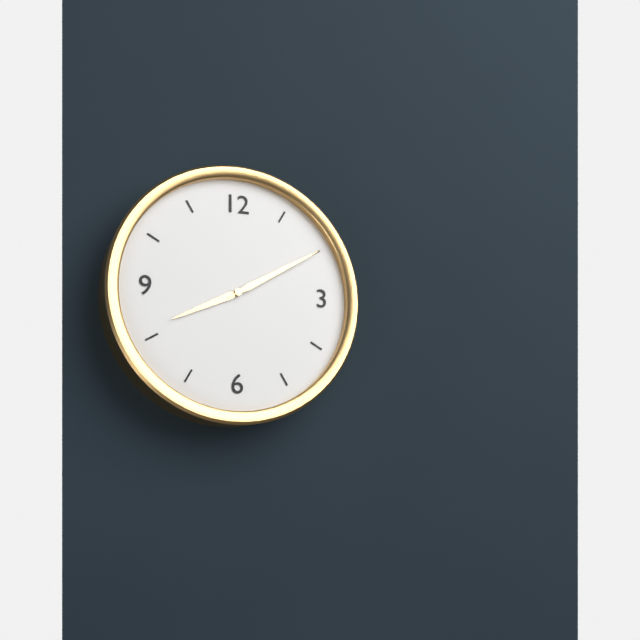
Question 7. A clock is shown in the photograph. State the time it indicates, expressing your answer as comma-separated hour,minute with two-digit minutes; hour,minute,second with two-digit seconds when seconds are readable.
8,10
